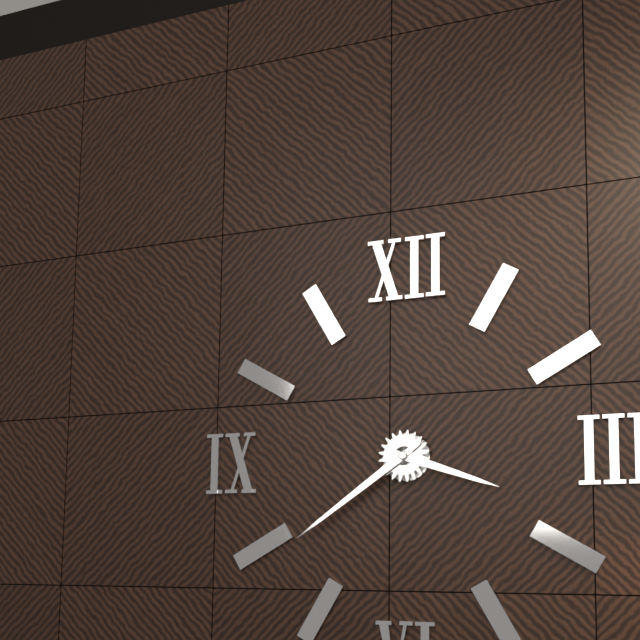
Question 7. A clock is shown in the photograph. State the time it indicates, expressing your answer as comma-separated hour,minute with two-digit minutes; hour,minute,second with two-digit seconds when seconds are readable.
3,39
